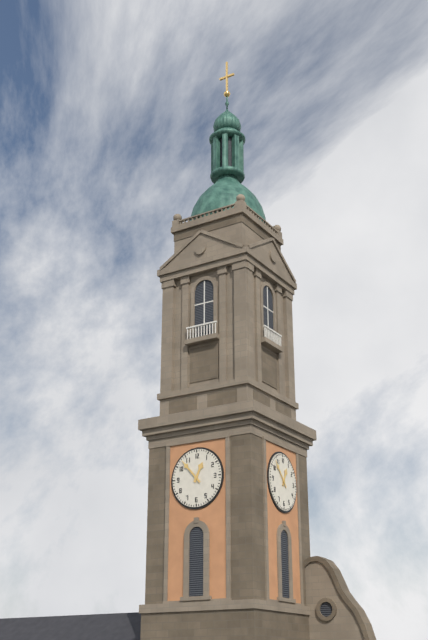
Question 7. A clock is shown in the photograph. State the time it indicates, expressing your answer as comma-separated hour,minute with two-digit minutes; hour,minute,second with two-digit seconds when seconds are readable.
12,53
